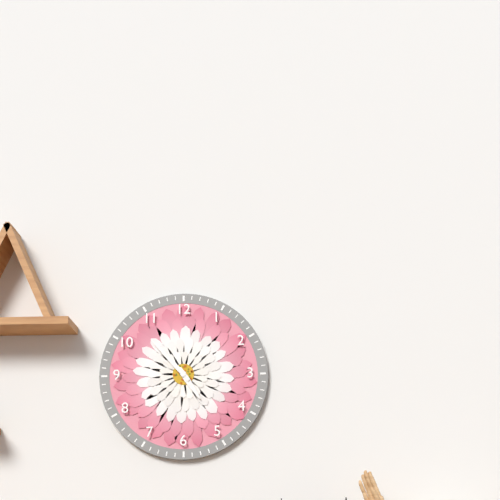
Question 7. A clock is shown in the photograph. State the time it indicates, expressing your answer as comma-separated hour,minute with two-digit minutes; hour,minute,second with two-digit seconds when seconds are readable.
4,53
